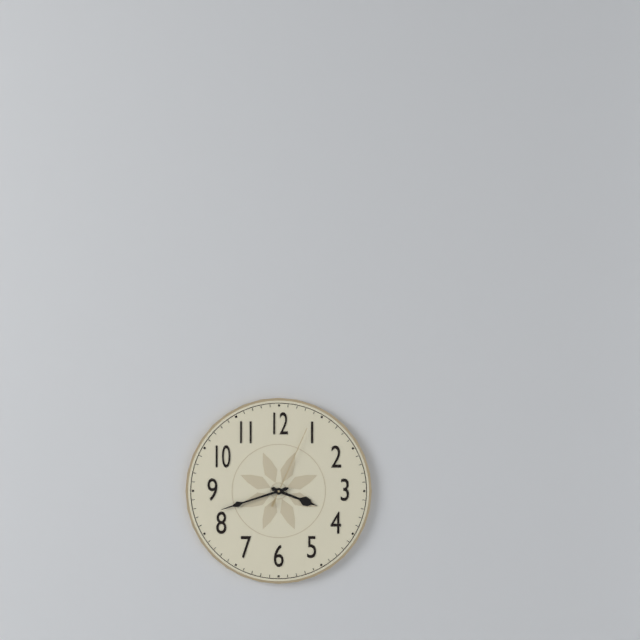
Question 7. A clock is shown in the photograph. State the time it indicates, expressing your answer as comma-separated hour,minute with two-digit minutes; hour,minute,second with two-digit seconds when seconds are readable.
3,42,04
